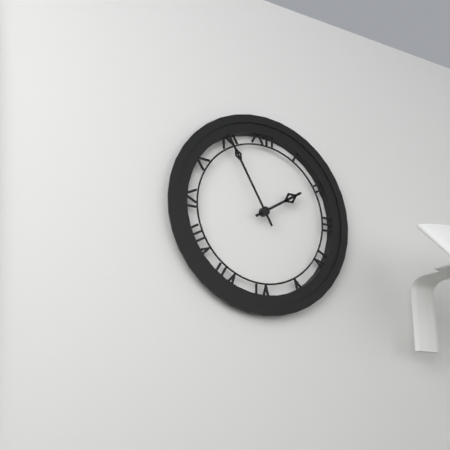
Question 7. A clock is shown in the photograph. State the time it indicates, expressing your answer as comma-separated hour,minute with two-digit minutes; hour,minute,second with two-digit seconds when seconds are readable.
1,55
